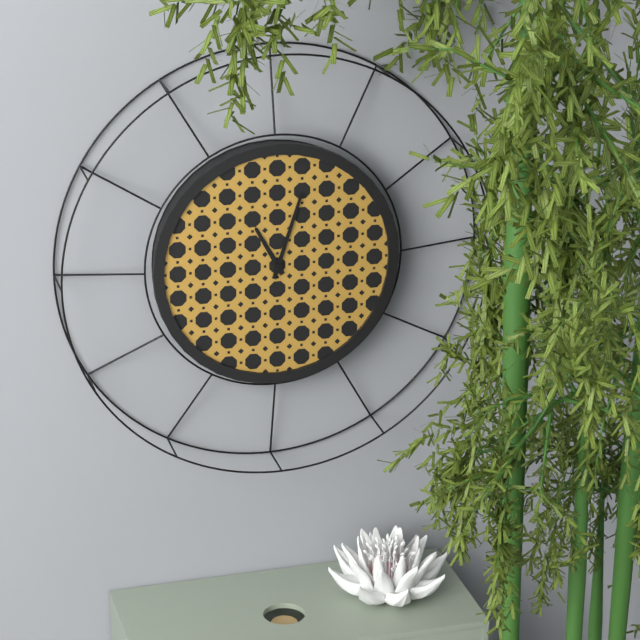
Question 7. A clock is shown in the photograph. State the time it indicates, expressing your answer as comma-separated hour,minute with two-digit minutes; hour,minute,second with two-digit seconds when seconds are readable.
11,03
